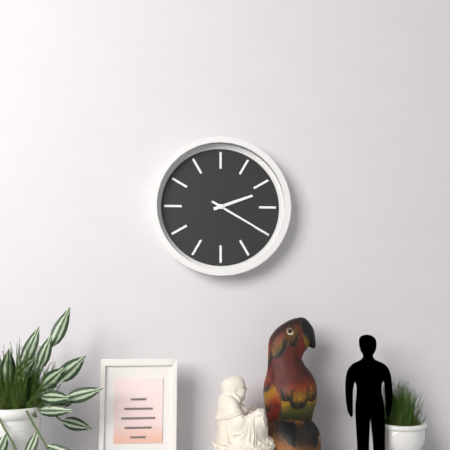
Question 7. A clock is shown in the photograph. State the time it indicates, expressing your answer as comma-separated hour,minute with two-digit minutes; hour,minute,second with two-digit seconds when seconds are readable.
2,20
